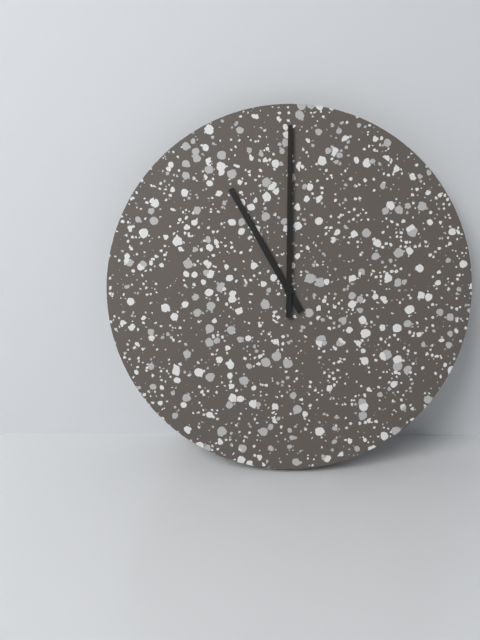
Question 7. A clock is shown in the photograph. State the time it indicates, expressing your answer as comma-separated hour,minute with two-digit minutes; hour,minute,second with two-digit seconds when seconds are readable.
11,00
